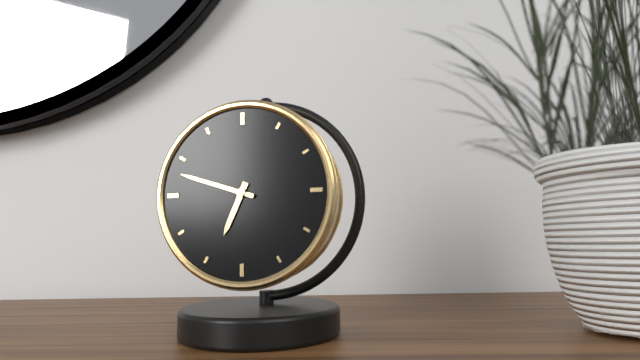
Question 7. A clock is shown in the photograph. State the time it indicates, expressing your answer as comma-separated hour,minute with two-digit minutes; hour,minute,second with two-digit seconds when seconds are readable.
6,48
